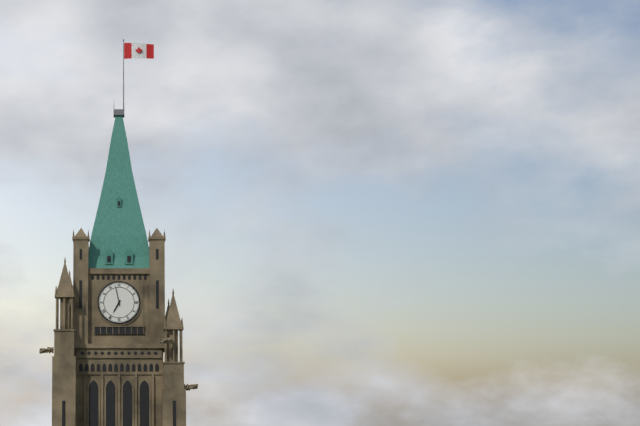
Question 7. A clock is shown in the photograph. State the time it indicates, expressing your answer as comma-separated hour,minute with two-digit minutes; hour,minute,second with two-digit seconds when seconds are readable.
6,58
